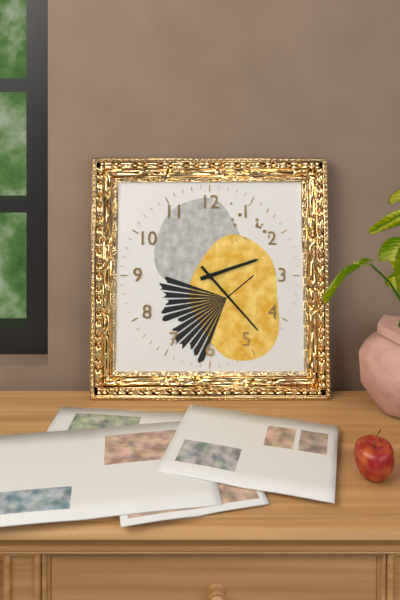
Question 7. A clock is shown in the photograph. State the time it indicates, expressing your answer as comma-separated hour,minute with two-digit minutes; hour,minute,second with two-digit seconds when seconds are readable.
2,23
